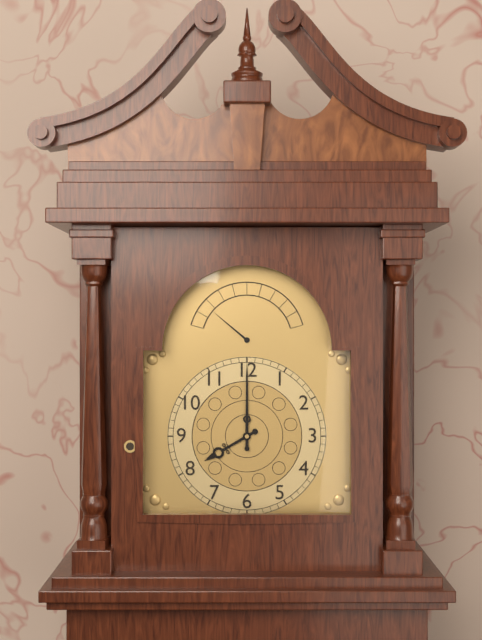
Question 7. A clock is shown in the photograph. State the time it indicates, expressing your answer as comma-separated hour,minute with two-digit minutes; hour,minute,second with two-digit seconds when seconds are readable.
8,00
